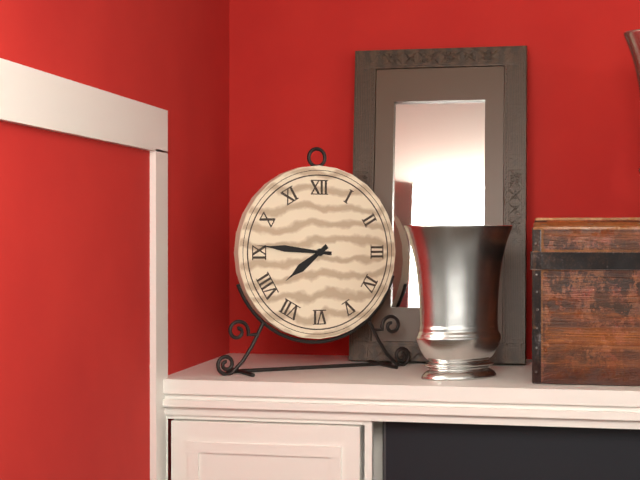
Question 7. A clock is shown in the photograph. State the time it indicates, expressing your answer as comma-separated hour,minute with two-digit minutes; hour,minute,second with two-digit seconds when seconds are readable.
7,46
